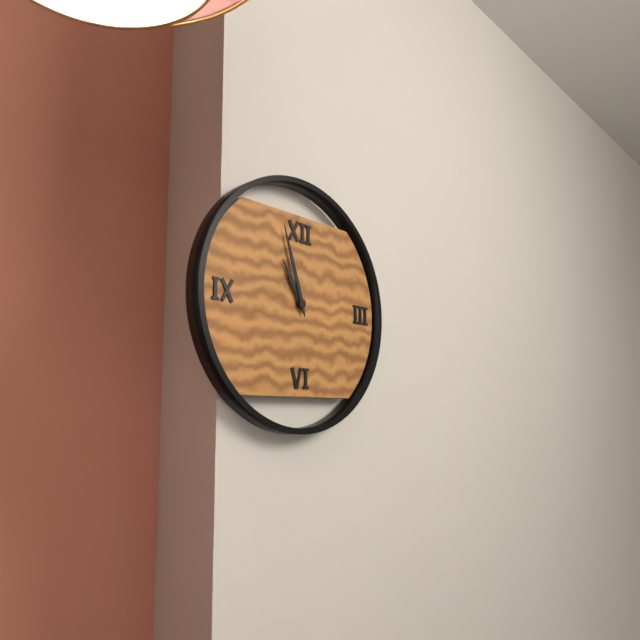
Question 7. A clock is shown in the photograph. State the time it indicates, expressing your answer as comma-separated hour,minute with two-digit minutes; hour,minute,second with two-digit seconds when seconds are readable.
10,57
